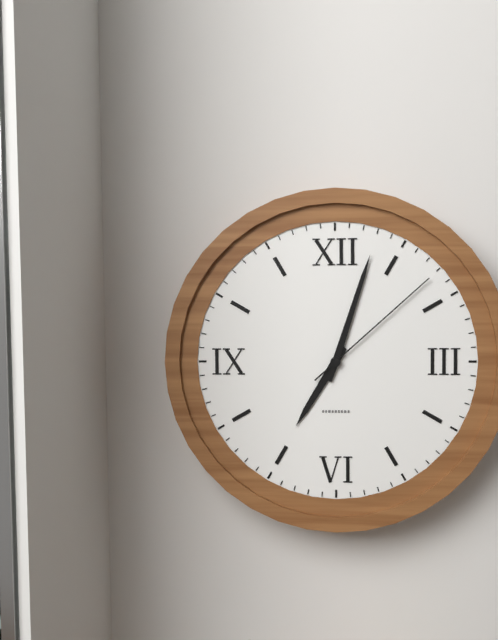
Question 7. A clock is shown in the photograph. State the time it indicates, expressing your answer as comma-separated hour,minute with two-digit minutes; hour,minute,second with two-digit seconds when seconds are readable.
7,03,08
